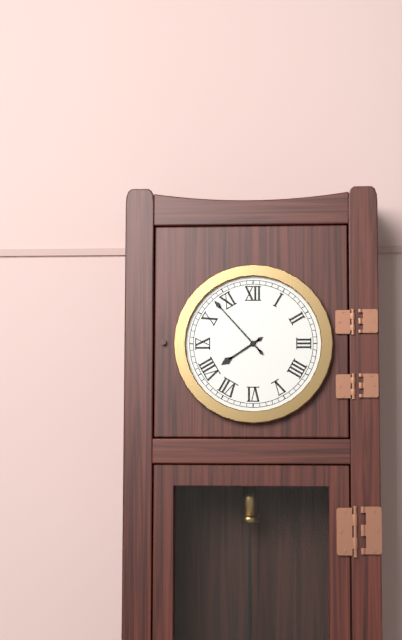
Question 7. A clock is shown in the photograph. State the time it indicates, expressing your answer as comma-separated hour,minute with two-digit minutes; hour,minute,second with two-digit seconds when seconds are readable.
7,53
